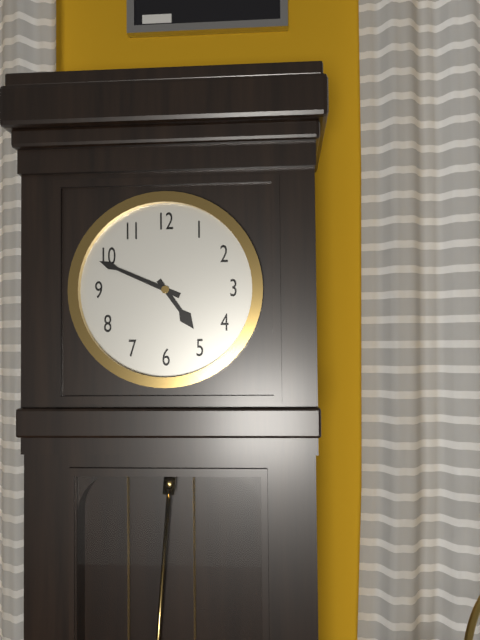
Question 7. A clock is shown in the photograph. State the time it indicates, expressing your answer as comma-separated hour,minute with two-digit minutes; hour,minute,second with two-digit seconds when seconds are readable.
4,49
